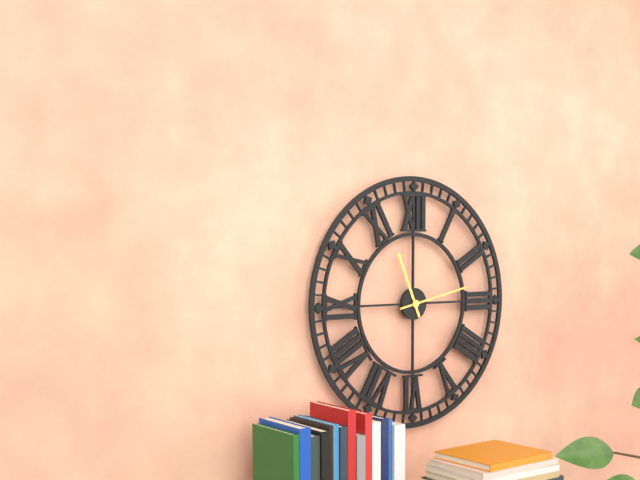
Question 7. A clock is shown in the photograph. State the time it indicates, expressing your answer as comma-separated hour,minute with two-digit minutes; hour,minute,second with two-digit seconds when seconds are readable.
11,13
